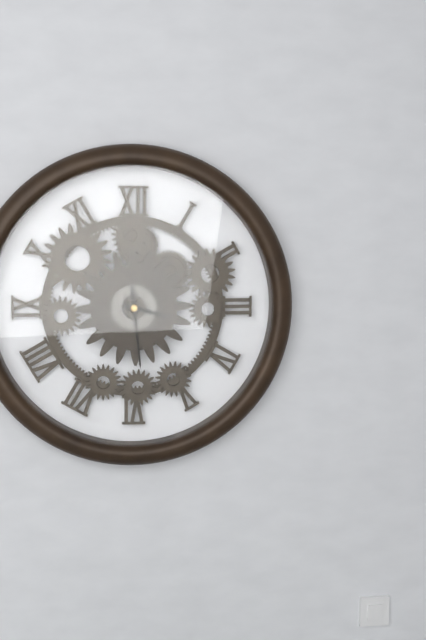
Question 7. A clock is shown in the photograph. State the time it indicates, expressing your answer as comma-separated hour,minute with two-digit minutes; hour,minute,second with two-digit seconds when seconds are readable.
3,29
